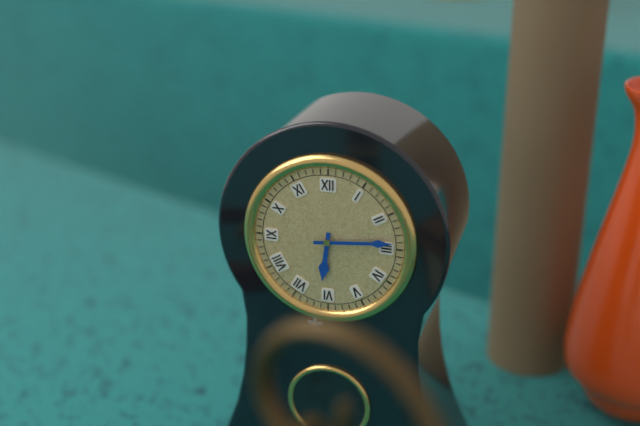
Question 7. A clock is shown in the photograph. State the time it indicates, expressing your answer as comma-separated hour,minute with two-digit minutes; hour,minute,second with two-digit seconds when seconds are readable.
6,14
